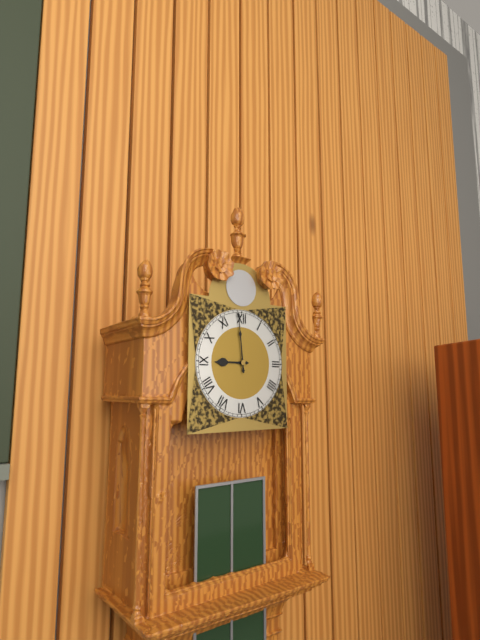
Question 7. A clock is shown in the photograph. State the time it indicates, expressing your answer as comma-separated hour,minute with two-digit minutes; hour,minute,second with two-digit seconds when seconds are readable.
8,59
